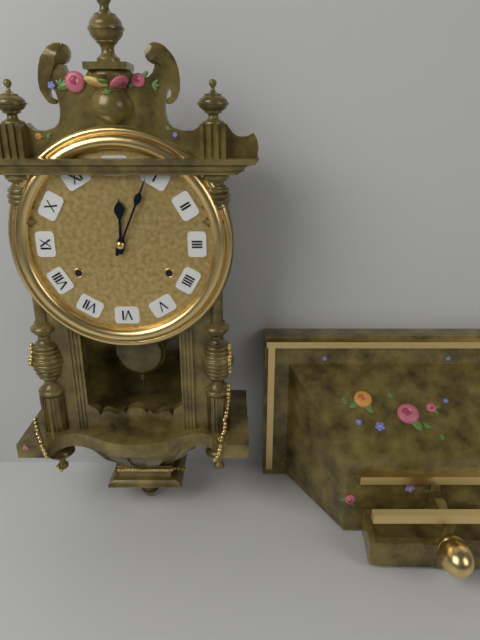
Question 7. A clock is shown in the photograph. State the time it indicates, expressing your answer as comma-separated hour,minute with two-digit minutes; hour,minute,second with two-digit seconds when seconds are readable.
12,04
